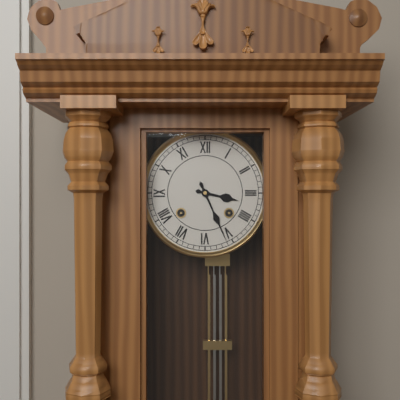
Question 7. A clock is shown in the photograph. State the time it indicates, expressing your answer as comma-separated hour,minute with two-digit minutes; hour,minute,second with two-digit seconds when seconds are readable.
3,26
